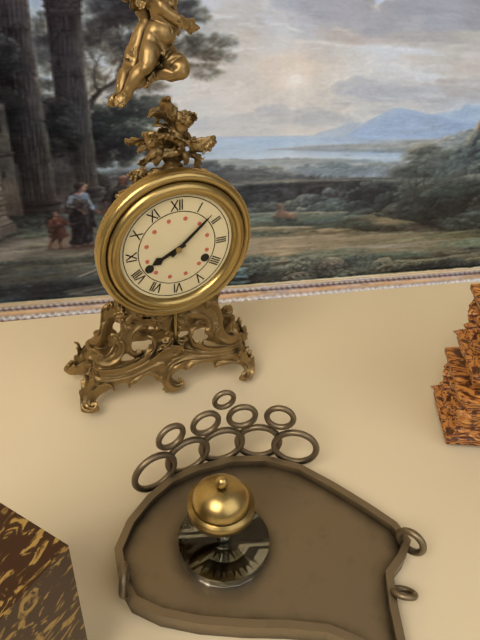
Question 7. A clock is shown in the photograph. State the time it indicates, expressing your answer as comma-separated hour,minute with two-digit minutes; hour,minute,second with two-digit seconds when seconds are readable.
8,08
